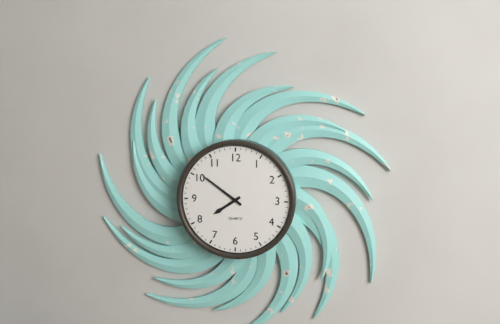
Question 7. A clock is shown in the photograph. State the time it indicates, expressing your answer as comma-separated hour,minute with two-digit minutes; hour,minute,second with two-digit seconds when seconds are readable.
7,51
